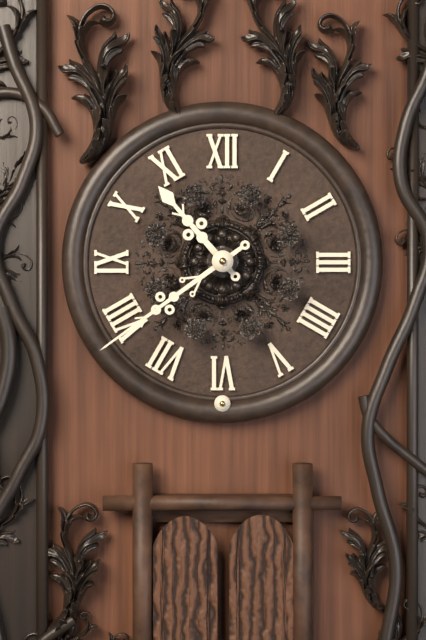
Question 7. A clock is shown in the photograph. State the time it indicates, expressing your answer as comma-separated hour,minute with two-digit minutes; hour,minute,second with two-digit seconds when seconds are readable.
10,39
